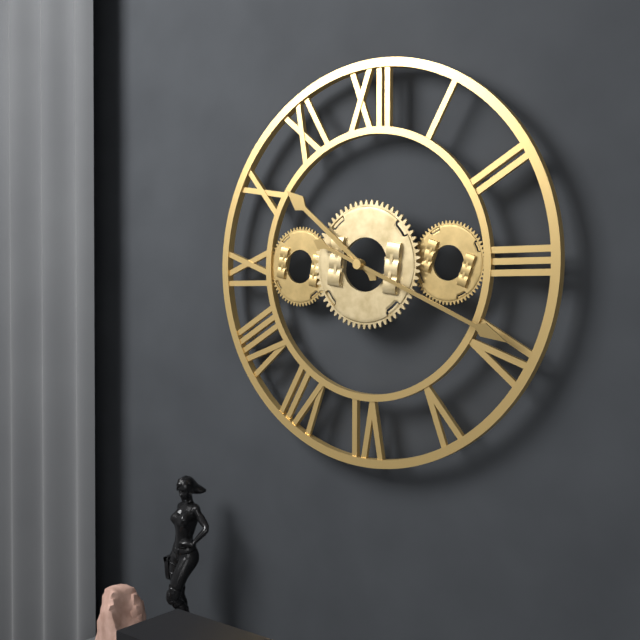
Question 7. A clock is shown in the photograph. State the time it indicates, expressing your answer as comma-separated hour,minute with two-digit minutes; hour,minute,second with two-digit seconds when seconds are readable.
10,19
